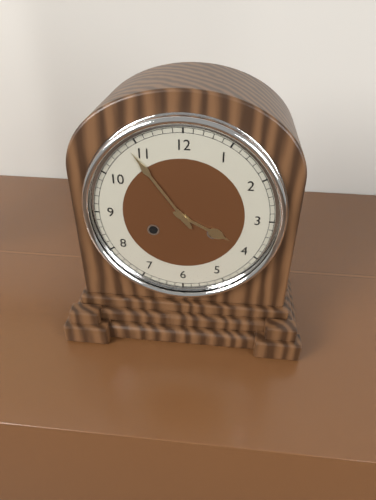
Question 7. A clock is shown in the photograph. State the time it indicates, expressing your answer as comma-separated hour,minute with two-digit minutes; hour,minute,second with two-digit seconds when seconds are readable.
3,54
